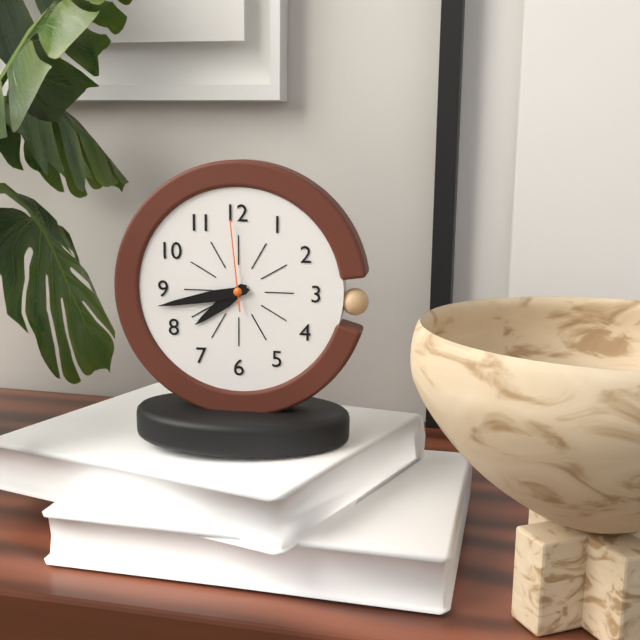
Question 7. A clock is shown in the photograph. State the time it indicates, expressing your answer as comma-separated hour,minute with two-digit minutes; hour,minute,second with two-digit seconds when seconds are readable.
7,43,59
